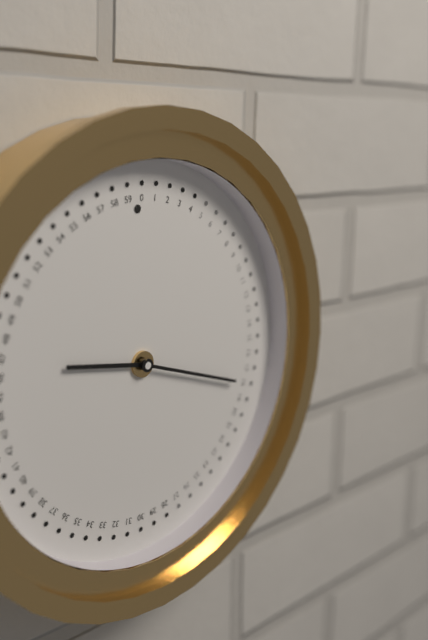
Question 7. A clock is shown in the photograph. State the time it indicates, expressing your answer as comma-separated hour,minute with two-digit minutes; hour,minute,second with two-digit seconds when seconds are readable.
9,18
